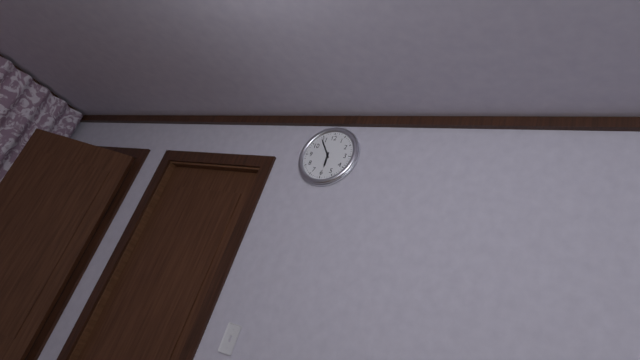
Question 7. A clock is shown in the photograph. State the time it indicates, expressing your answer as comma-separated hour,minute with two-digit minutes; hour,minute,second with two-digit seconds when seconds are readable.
5,54
